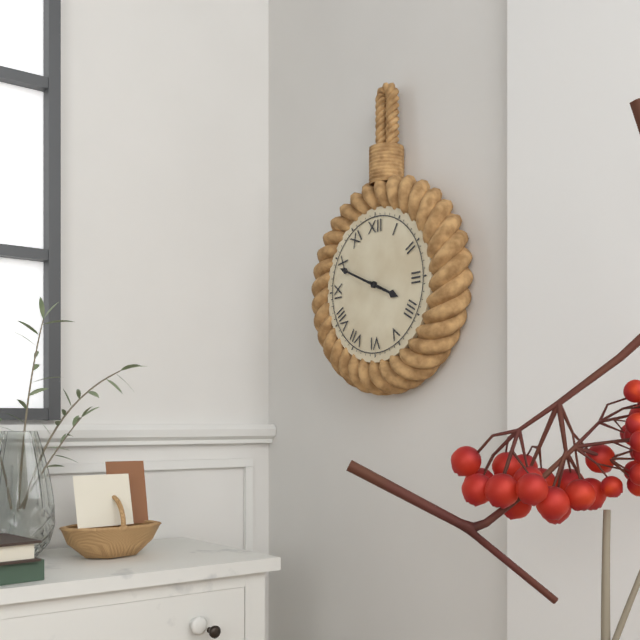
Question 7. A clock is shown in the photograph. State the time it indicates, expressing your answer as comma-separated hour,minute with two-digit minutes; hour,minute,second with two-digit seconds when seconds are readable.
3,49
